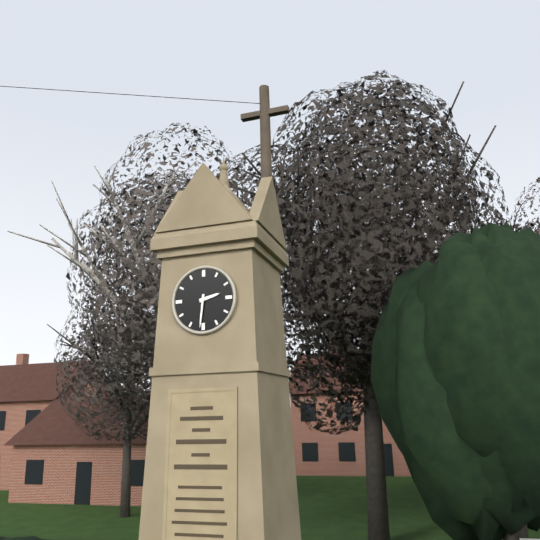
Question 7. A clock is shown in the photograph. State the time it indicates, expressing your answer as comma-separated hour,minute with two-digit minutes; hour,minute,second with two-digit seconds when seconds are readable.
2,31
